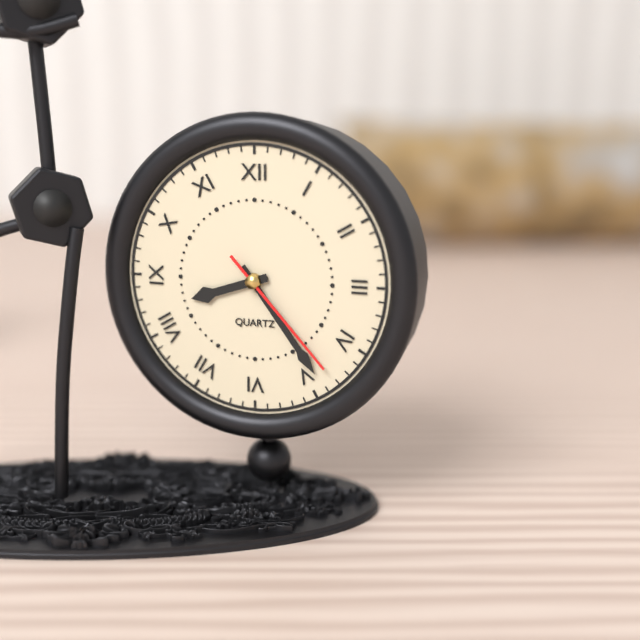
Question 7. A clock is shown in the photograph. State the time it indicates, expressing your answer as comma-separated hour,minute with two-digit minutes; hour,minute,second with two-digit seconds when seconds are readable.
8,24,23
